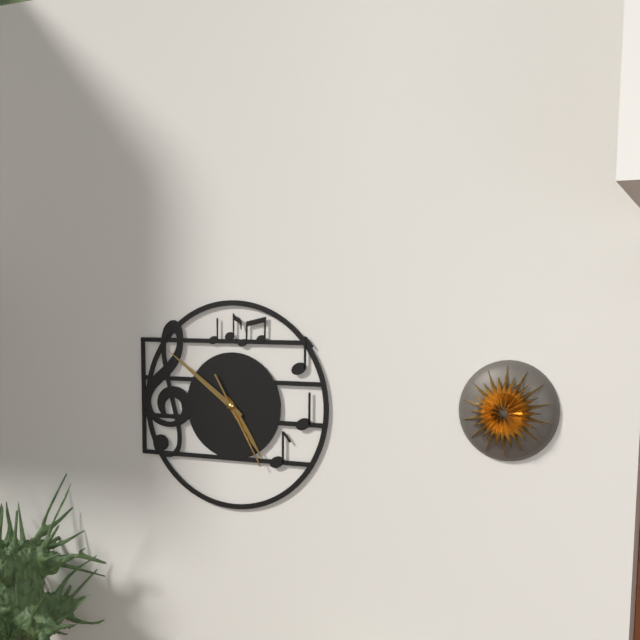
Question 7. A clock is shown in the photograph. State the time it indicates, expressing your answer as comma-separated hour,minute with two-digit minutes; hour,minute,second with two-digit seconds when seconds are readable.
4,51,25
